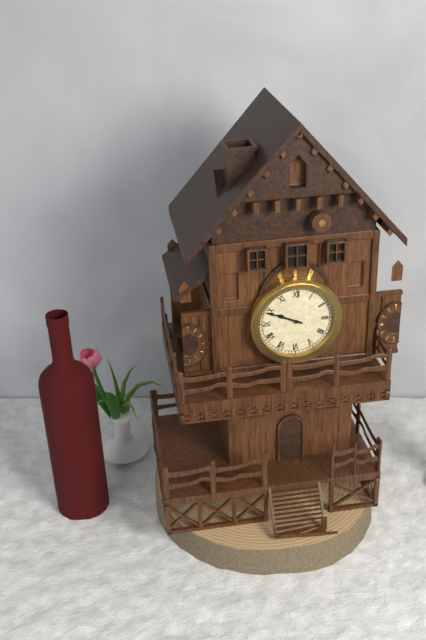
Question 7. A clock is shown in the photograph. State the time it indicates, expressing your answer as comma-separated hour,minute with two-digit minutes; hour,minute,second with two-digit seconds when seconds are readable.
9,49
